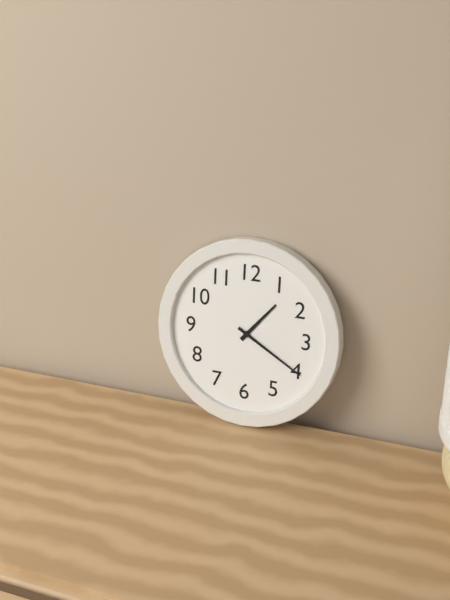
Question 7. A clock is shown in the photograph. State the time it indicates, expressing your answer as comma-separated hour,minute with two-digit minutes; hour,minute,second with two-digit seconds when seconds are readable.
1,20
